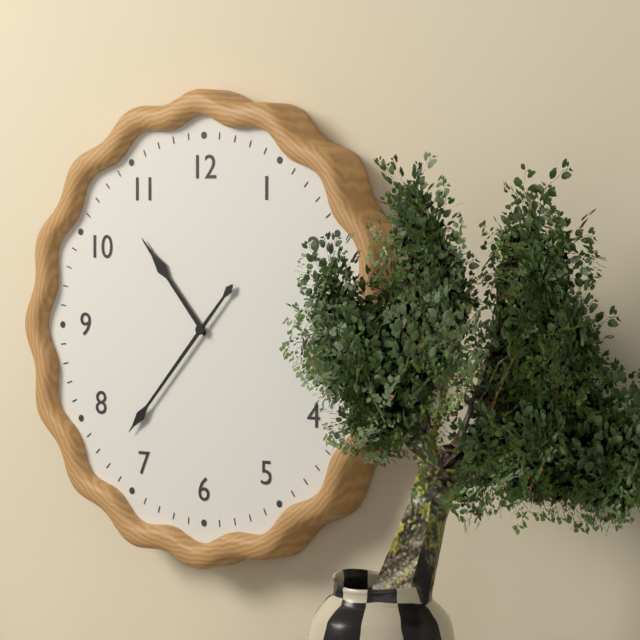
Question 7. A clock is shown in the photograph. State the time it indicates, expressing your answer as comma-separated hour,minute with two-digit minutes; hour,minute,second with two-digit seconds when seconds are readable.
10,37
